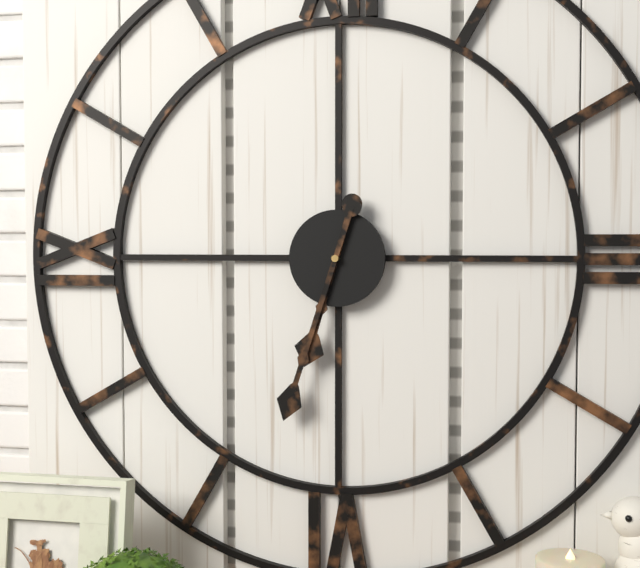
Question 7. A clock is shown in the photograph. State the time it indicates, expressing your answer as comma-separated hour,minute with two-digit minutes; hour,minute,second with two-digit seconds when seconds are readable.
6,33
